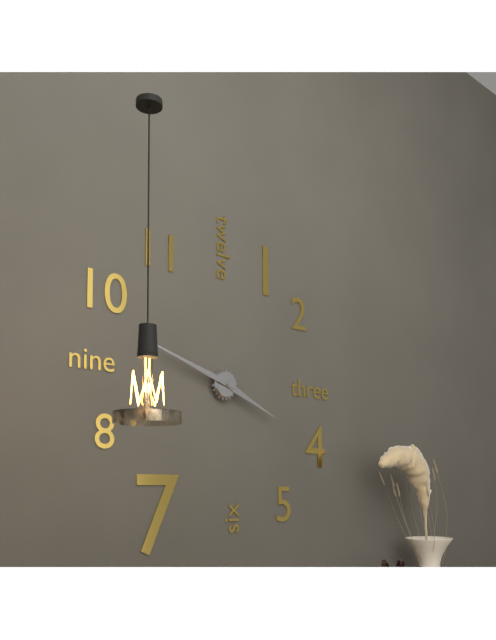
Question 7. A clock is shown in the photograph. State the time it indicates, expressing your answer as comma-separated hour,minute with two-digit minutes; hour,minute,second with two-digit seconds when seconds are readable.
3,48
